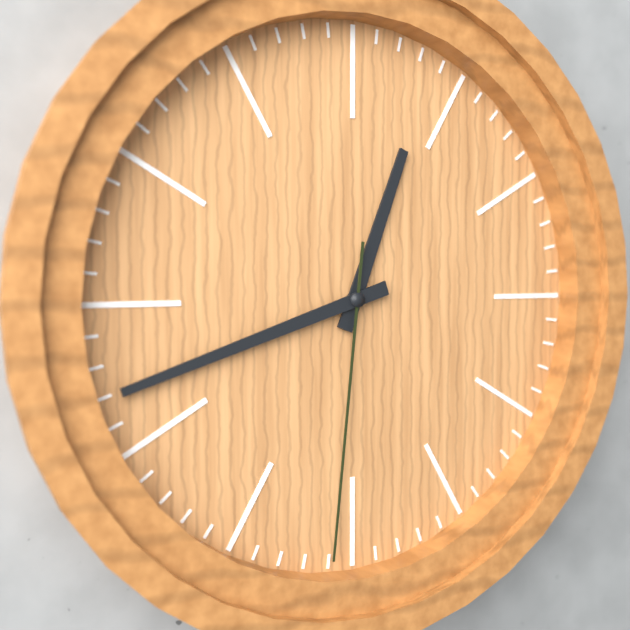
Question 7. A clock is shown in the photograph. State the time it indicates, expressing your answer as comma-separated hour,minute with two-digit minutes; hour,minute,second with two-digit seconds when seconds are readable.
12,42,31
